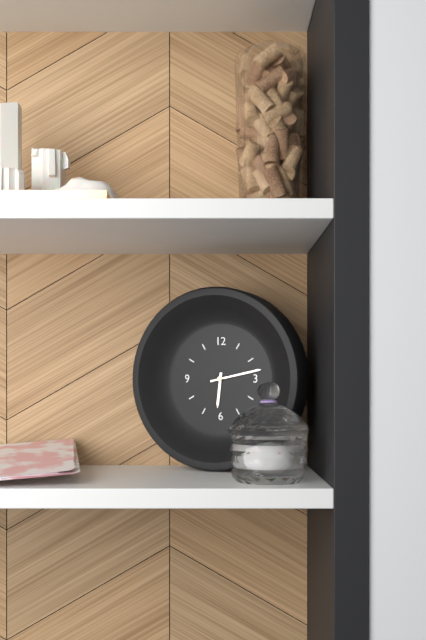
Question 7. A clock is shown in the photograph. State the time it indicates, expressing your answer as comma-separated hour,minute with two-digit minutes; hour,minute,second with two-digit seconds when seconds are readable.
6,13
